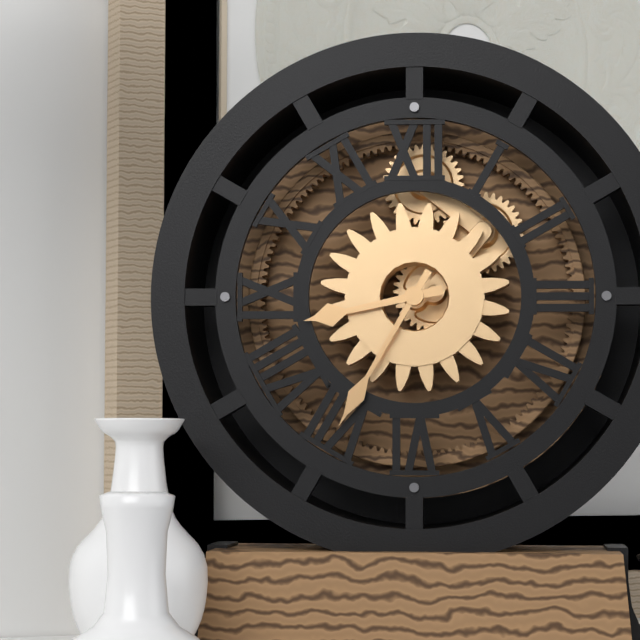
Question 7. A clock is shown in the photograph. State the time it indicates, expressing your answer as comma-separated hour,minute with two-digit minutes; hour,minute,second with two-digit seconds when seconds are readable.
8,35
